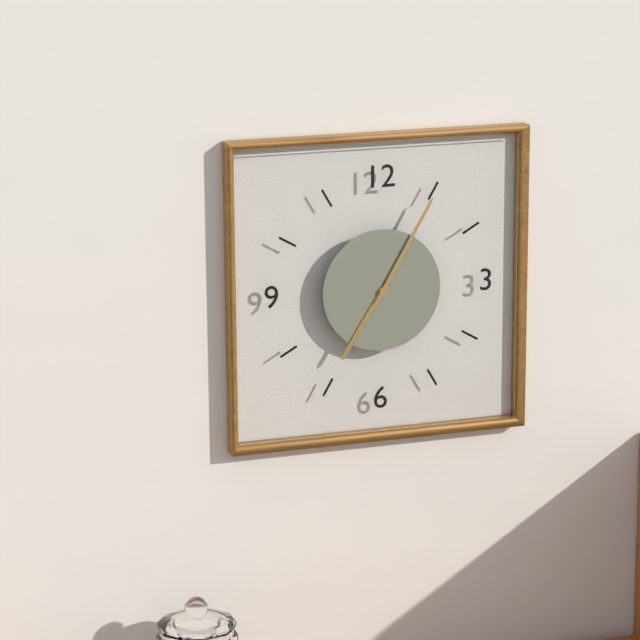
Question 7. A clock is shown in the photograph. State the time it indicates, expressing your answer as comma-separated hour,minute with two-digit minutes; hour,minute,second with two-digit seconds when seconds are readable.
7,05
